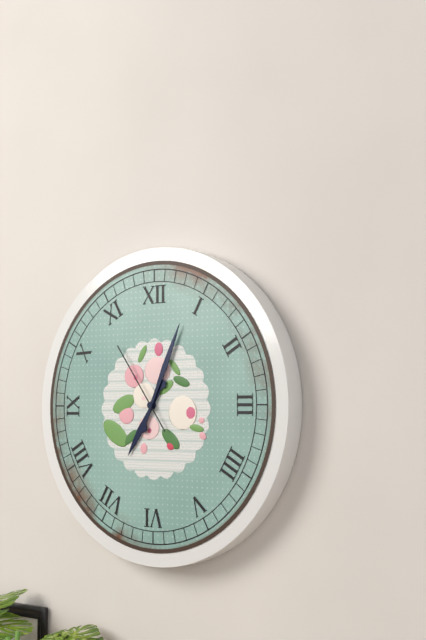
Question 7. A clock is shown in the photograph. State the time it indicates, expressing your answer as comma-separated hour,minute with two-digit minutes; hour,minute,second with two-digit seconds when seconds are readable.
7,04,54
